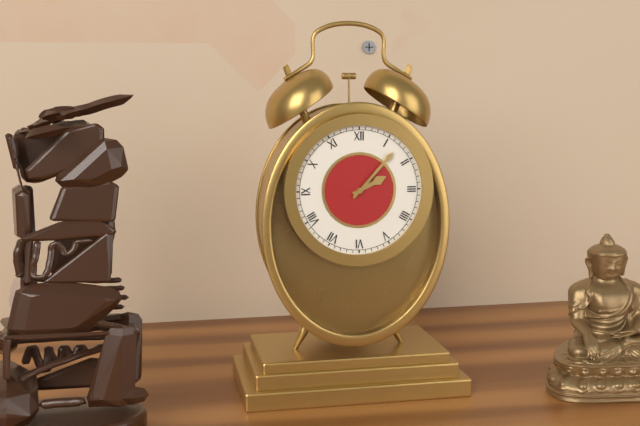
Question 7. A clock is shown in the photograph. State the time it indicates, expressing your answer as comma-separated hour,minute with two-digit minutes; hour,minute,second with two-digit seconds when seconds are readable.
2,07
